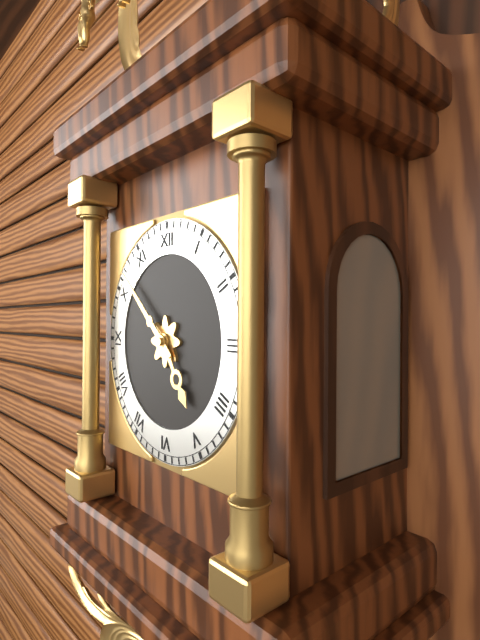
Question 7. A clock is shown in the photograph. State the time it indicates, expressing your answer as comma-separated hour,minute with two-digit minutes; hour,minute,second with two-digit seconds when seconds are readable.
4,52
